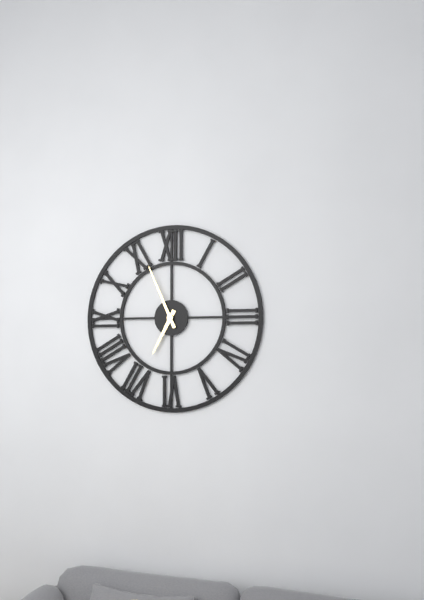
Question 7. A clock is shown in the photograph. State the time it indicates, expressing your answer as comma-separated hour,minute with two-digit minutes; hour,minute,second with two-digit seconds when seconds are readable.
6,56
